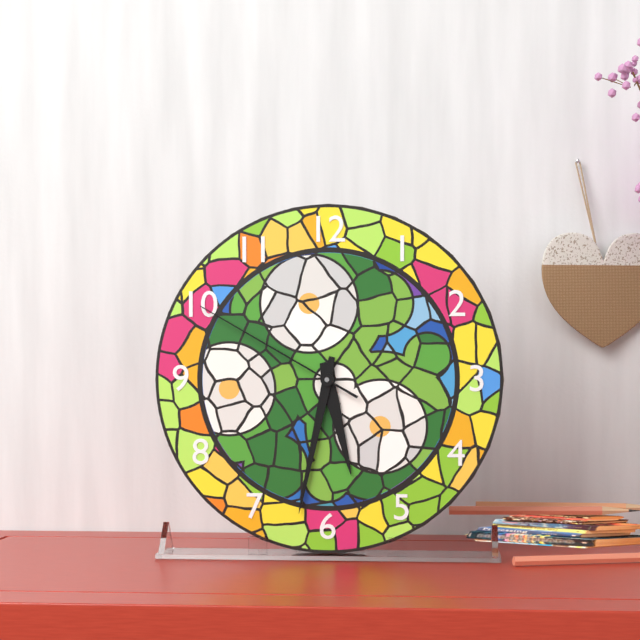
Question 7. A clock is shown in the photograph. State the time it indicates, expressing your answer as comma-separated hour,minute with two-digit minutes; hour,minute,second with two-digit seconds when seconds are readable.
5,32,50
